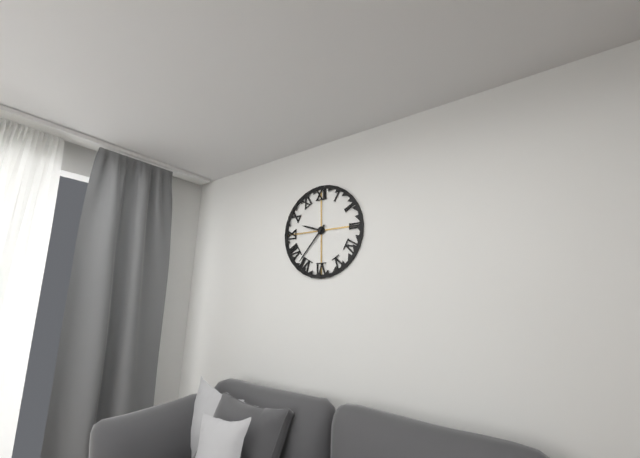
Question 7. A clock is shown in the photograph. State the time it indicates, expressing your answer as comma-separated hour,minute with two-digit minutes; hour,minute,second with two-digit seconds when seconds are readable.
9,37
